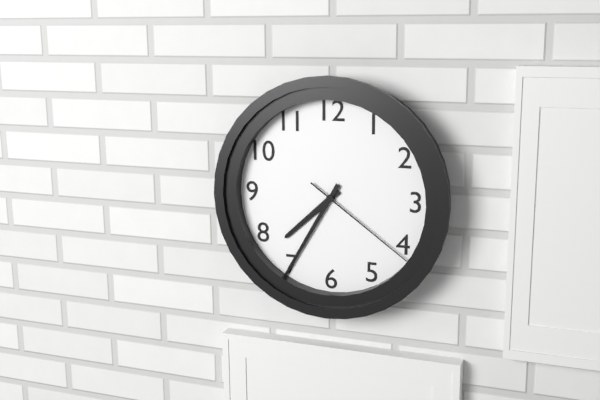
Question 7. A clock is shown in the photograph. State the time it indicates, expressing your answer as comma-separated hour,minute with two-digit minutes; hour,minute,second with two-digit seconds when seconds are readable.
7,35,21
